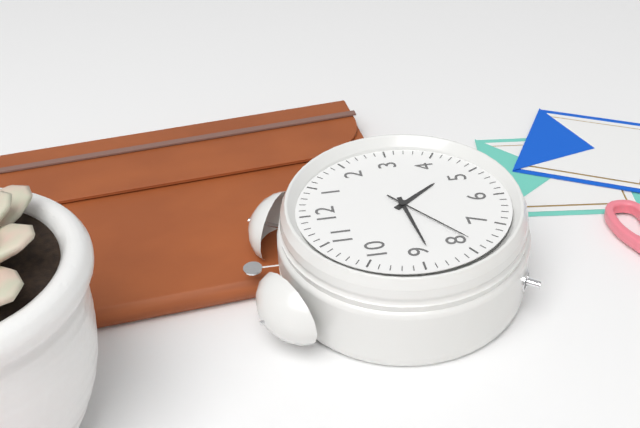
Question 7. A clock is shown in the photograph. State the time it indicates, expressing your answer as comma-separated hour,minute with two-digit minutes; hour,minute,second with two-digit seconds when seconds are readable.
4,44,39
